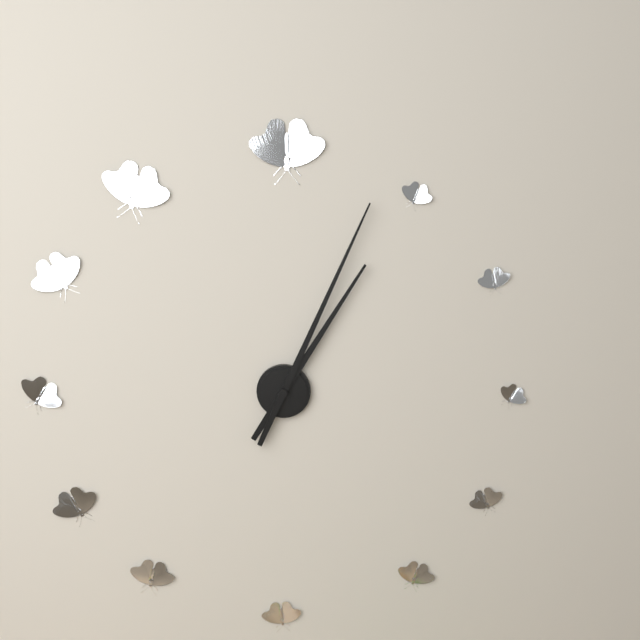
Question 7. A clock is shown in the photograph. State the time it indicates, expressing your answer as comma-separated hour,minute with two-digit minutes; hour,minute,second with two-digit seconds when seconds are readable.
1,04
